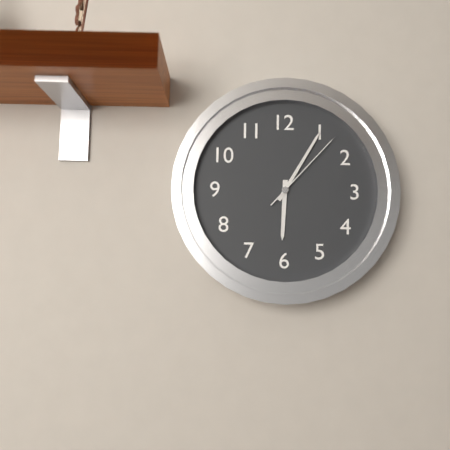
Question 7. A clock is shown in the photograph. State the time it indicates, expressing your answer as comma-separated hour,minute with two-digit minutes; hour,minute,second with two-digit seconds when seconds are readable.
6,05,07
